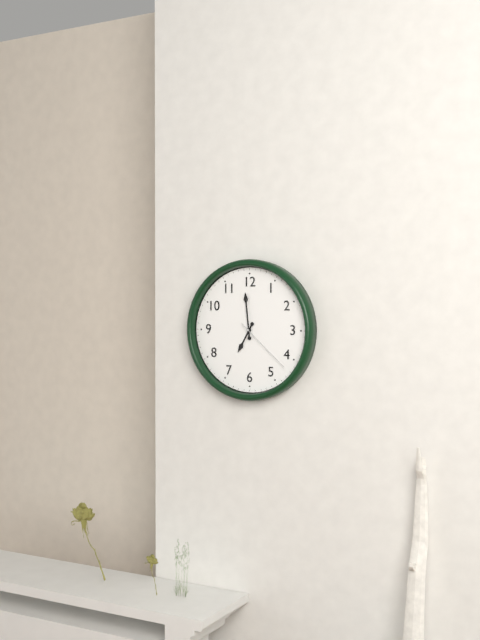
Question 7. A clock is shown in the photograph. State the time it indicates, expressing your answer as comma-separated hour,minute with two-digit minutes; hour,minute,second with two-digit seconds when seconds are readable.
6,59,22
